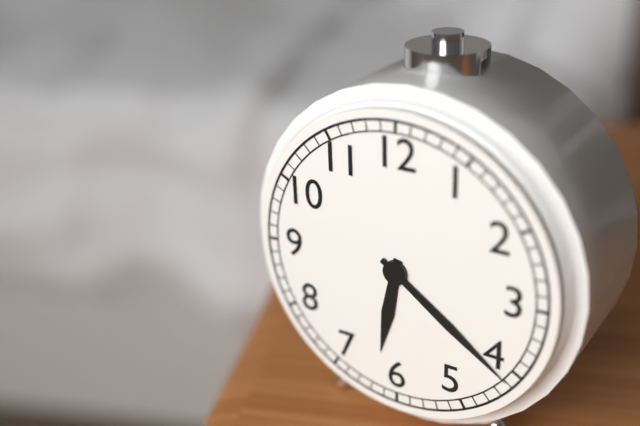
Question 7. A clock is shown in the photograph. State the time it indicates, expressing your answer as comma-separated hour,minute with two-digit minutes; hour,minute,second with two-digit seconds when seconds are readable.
6,21
